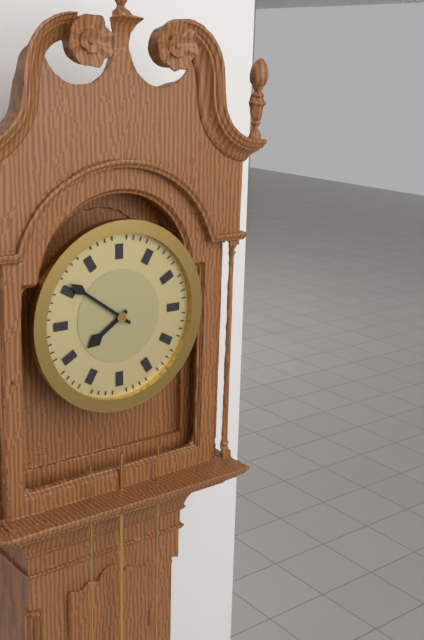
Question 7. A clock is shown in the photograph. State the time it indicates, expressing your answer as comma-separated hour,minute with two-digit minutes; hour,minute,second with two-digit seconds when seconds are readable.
7,51
